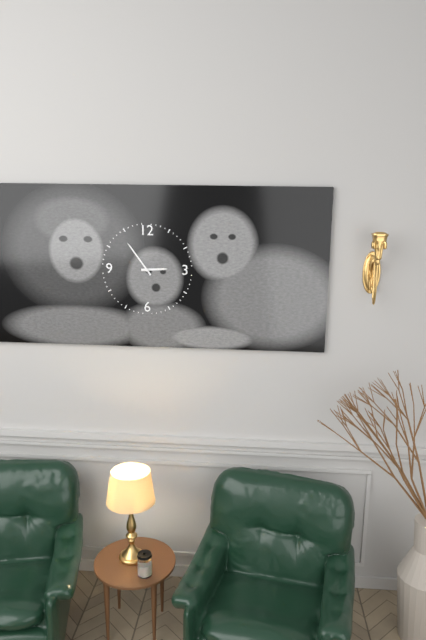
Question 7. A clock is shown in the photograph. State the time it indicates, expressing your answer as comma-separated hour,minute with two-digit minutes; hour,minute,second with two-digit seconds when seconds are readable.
2,54
